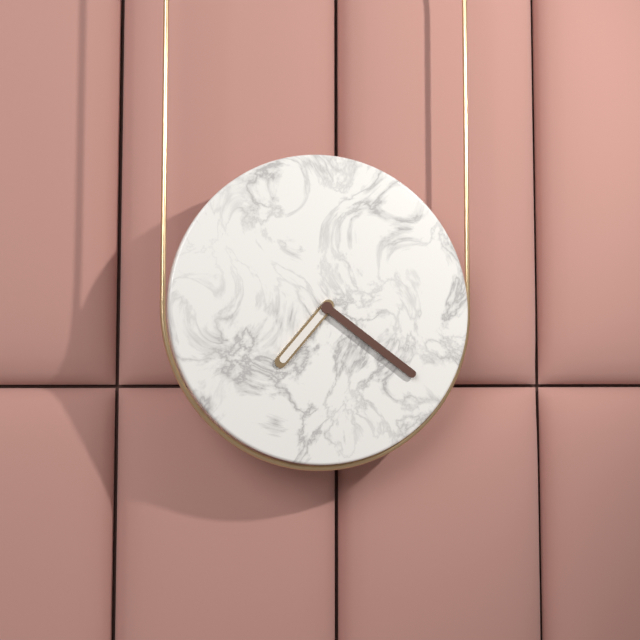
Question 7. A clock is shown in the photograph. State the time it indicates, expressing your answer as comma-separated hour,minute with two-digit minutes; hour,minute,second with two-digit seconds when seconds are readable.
7,21
